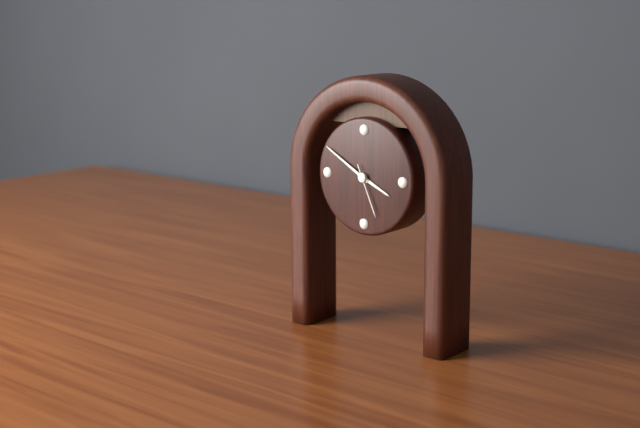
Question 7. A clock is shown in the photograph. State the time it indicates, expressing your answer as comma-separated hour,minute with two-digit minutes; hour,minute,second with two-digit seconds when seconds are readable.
3,50,26
